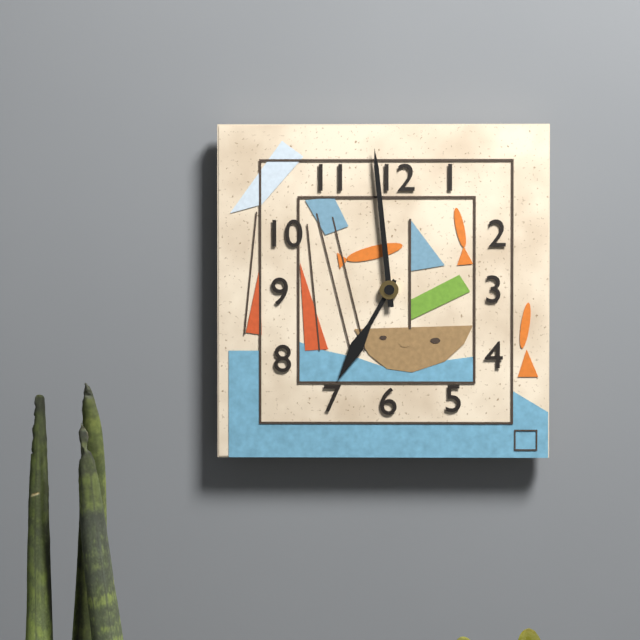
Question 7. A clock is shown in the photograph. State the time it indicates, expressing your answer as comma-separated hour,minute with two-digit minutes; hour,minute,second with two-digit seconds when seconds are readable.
6,59
